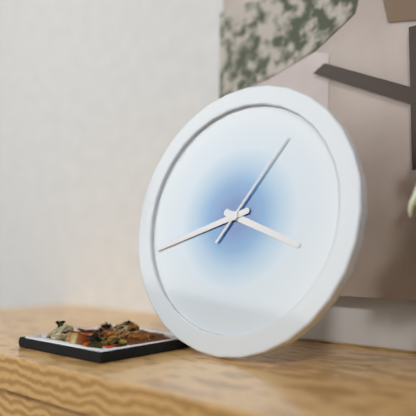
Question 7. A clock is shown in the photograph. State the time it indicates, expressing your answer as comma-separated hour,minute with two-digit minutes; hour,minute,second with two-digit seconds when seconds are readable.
3,42,06
